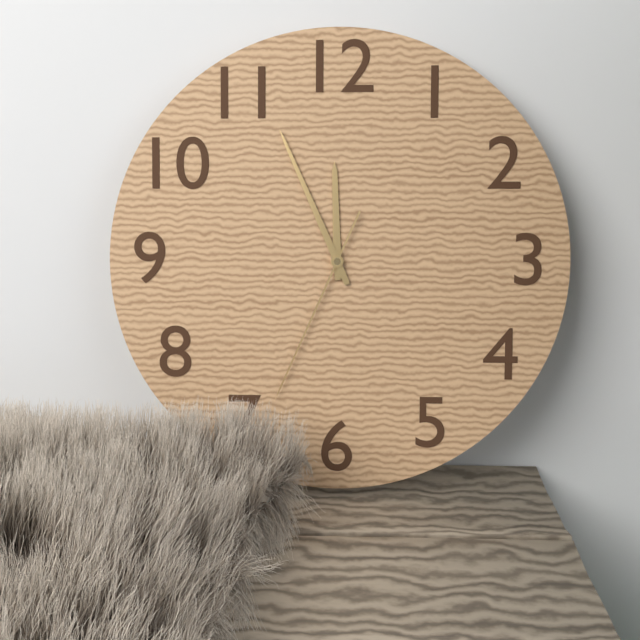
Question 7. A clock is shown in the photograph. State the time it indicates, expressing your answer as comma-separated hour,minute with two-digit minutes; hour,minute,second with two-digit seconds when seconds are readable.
11,56,34
